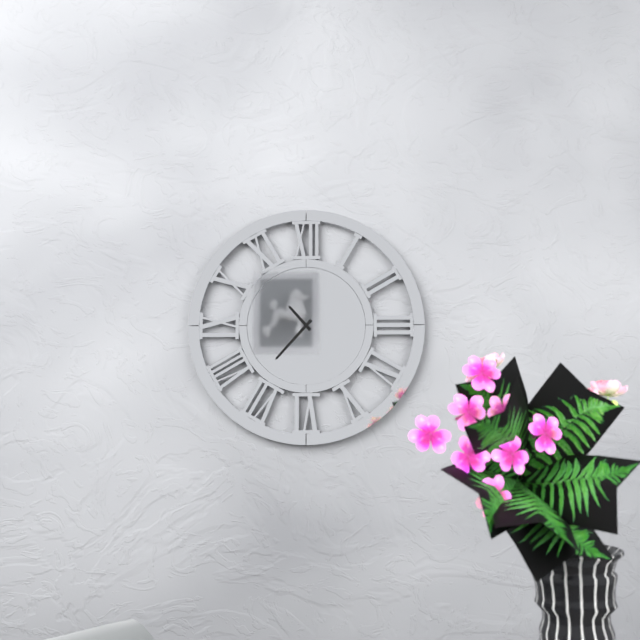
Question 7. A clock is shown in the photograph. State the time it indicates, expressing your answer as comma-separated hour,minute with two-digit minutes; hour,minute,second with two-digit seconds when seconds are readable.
10,37
